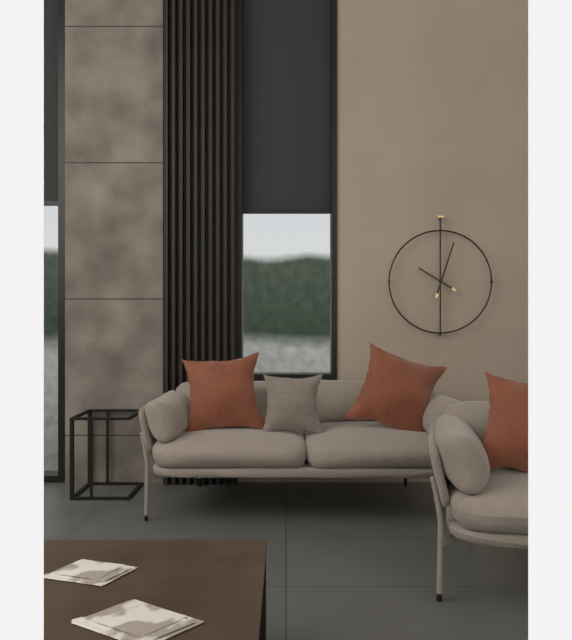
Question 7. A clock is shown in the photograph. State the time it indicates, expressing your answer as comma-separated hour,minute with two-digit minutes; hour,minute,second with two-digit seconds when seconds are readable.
10,03
